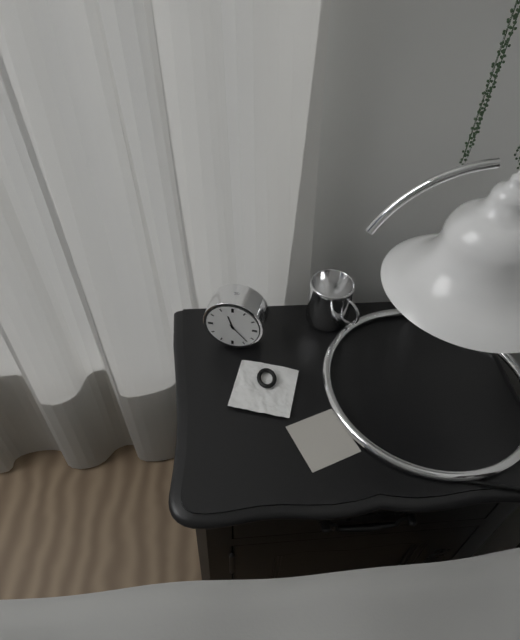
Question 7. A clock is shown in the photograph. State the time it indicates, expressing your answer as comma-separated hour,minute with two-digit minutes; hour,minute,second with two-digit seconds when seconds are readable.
11,23
